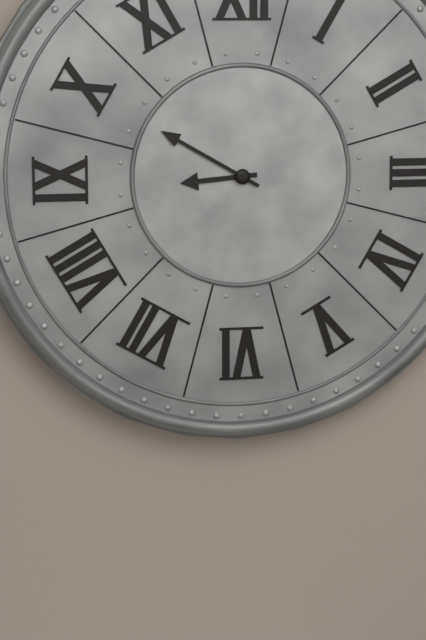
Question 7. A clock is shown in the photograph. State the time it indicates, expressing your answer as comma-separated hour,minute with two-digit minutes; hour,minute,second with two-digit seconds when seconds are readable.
8,50
